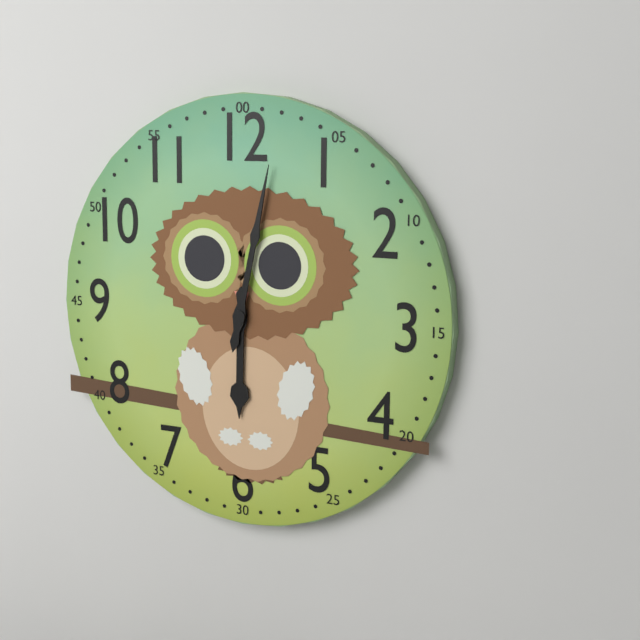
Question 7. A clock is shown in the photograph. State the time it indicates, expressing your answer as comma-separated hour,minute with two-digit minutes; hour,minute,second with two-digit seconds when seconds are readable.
6,02
